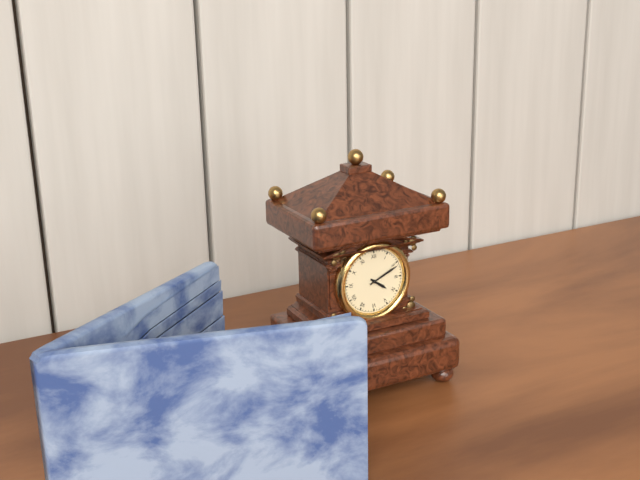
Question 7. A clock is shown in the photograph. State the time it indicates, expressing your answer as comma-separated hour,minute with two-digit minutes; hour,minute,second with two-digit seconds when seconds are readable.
4,11
